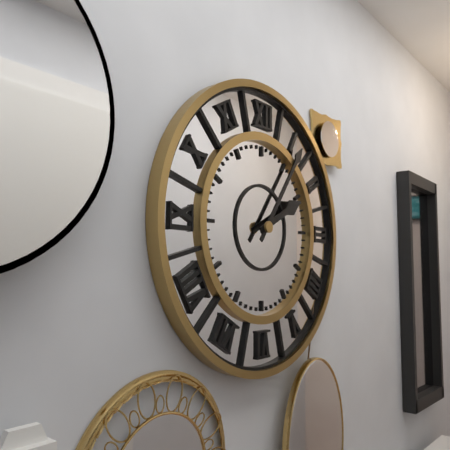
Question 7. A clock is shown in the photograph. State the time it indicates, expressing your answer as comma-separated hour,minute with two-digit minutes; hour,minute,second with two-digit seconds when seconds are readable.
2,06
